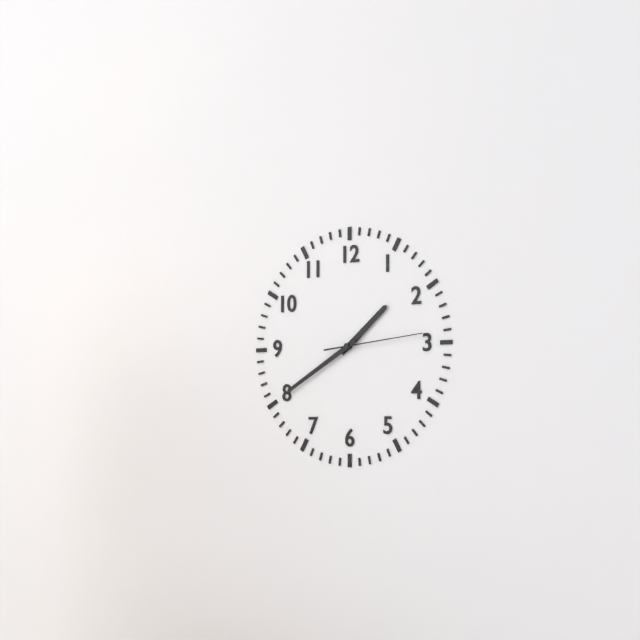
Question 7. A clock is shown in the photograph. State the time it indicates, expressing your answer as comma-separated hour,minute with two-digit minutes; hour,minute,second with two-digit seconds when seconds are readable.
1,40,14
